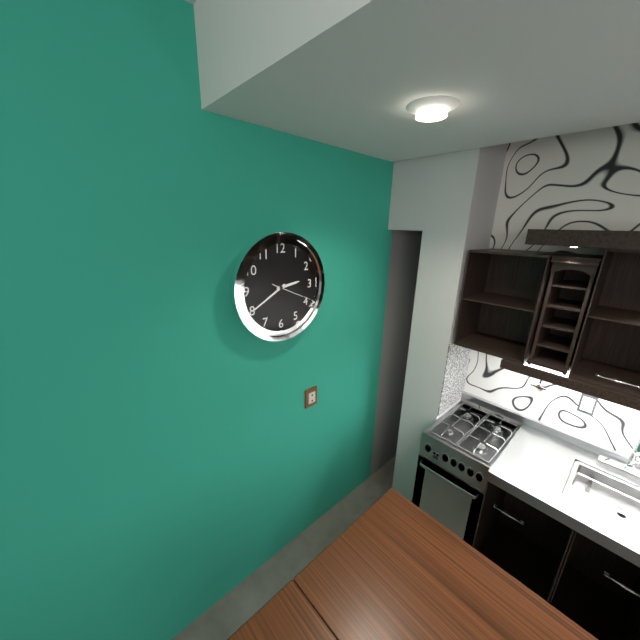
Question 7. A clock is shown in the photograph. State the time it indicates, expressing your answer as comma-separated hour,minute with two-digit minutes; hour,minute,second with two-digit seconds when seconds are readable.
2,40
